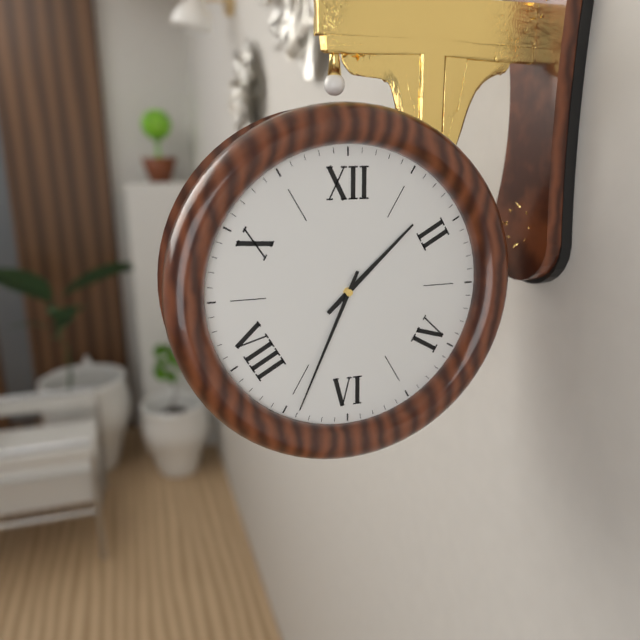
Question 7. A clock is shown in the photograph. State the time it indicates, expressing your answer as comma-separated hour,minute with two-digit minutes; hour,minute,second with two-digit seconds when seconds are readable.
1,34
